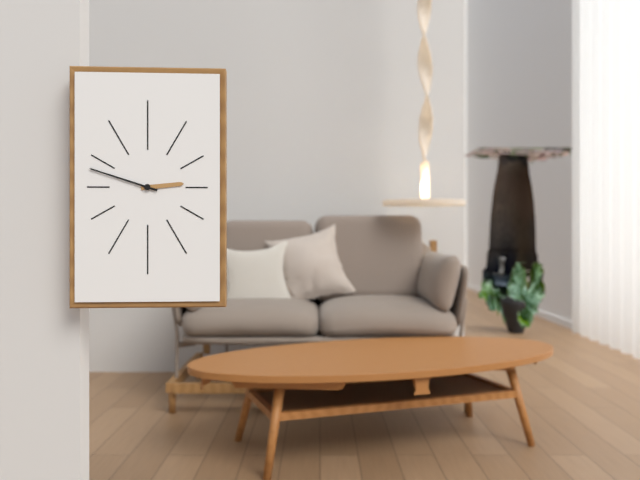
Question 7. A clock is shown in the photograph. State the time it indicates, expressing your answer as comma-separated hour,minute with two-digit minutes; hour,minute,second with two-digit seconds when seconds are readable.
2,48
